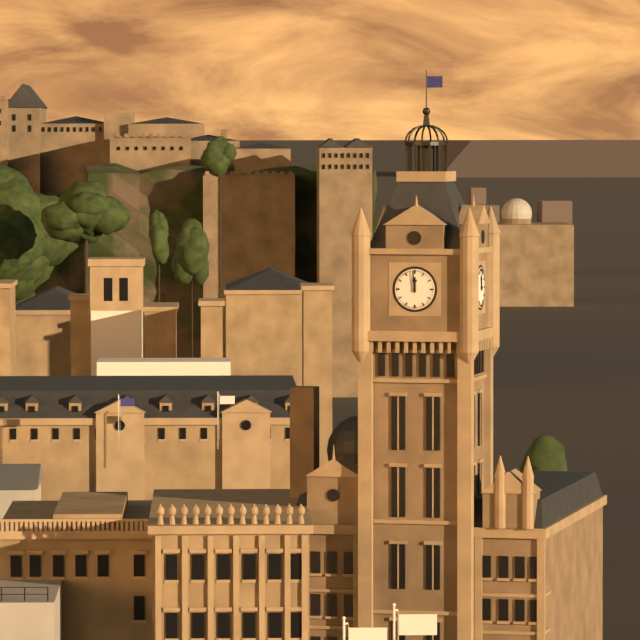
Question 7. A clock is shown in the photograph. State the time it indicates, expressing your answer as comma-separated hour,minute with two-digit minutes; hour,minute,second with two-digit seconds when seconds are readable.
11,59
